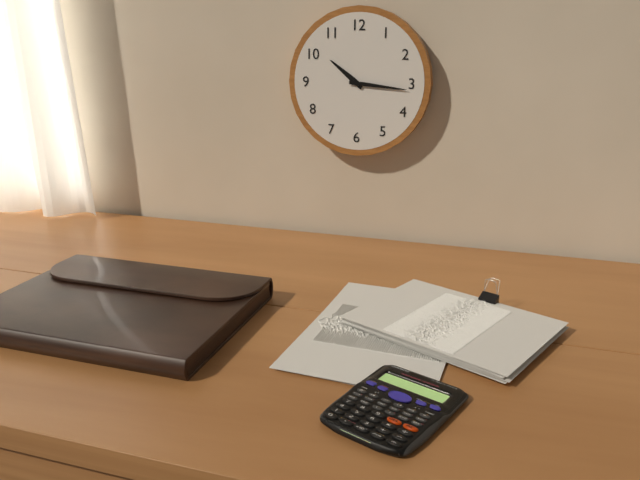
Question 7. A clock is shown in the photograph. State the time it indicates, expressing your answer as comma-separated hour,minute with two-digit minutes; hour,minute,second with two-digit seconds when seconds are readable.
10,16
